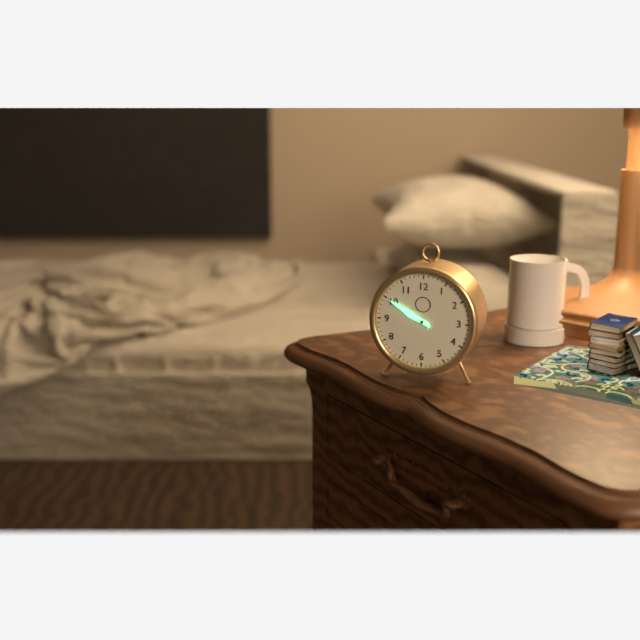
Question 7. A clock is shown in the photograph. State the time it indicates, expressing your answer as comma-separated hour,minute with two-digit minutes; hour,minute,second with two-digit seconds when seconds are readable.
9,50
